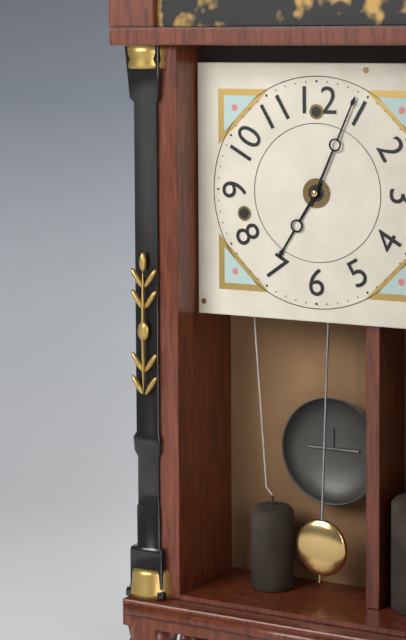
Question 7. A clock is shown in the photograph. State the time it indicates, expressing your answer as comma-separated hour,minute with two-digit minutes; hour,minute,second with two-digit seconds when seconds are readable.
7,04
